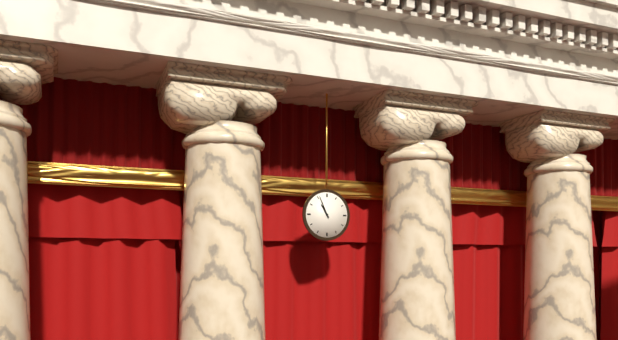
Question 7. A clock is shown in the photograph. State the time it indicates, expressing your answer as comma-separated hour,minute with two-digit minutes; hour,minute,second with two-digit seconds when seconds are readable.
10,56
